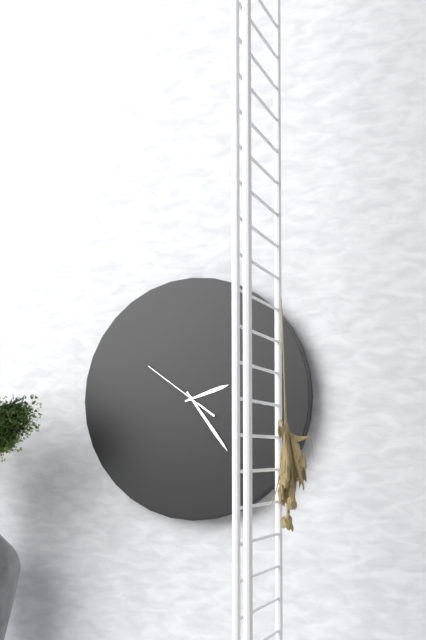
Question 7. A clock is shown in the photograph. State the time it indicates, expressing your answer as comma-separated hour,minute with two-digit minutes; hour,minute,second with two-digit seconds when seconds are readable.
2,24,51
